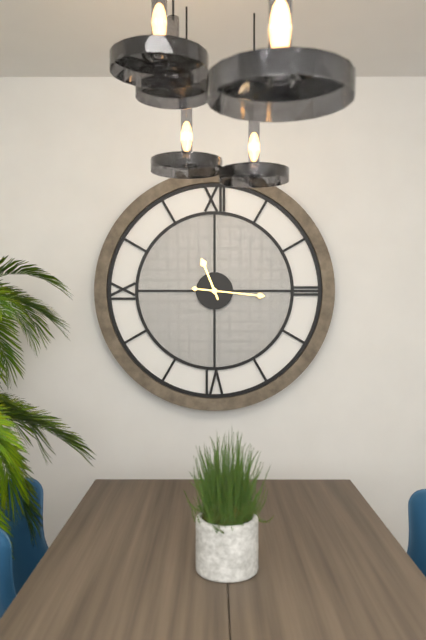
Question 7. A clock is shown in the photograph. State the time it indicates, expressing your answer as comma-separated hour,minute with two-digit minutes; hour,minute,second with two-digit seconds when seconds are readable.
11,16
